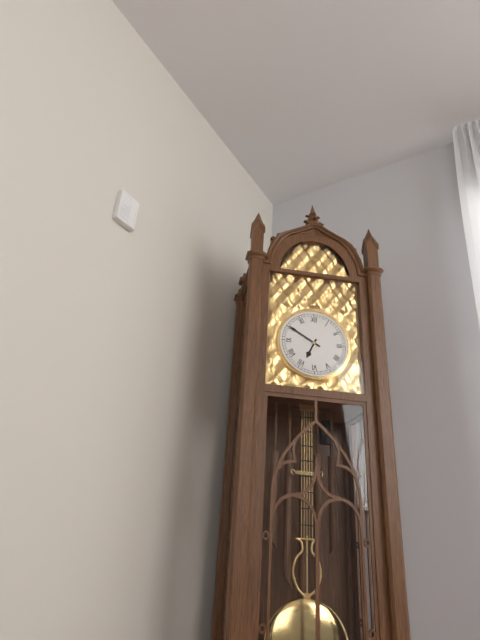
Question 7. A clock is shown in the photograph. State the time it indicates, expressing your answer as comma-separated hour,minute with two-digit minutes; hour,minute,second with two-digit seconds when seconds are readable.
6,50
